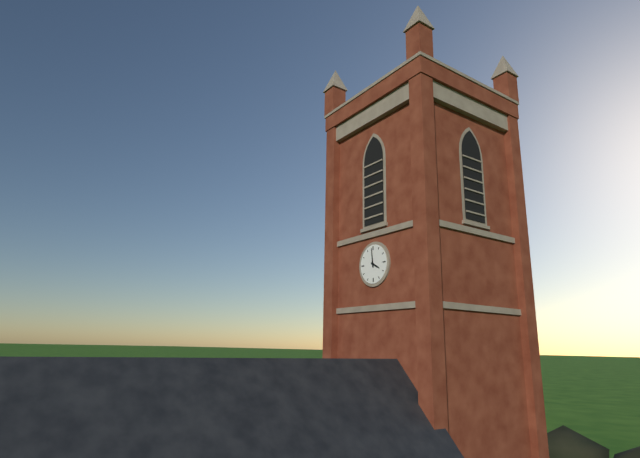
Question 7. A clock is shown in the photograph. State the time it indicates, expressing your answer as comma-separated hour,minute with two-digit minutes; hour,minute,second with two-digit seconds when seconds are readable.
3,59
